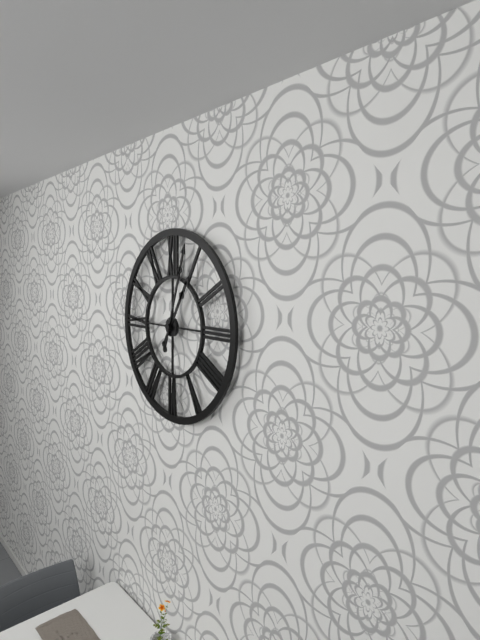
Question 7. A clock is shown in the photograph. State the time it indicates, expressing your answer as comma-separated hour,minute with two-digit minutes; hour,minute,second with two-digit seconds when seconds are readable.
1,03
